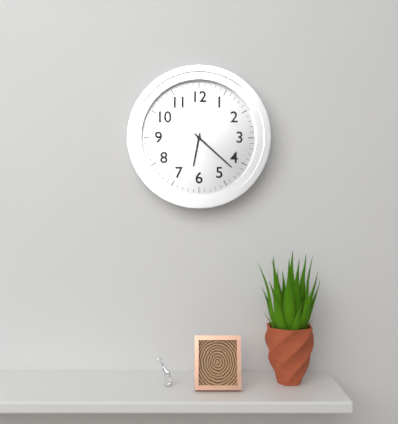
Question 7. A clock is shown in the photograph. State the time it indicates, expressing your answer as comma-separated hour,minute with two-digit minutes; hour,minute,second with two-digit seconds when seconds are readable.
6,22
